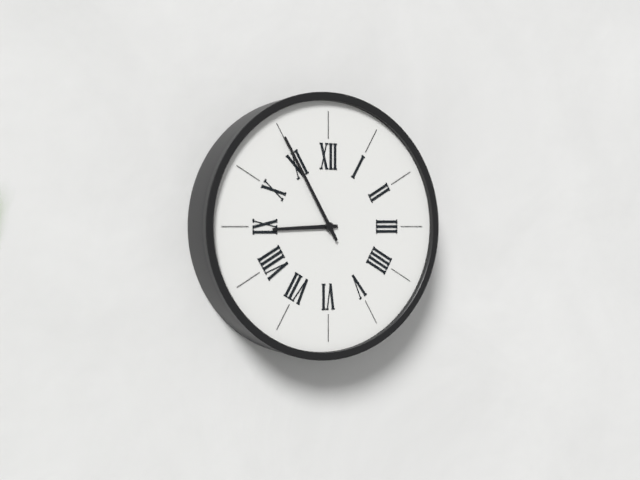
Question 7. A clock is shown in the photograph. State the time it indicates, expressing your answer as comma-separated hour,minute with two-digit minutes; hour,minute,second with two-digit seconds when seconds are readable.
8,55
